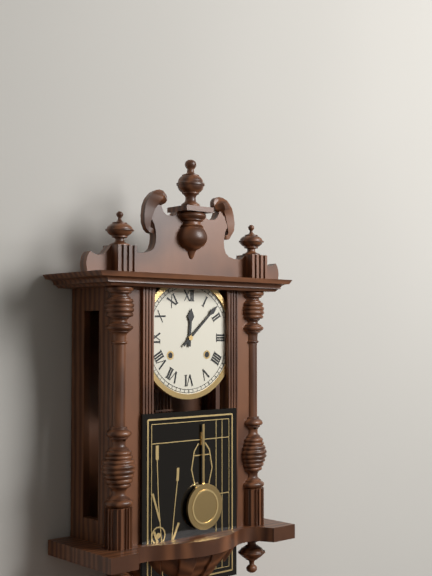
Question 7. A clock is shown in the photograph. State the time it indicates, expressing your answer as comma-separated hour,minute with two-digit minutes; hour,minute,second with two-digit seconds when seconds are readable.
12,08
